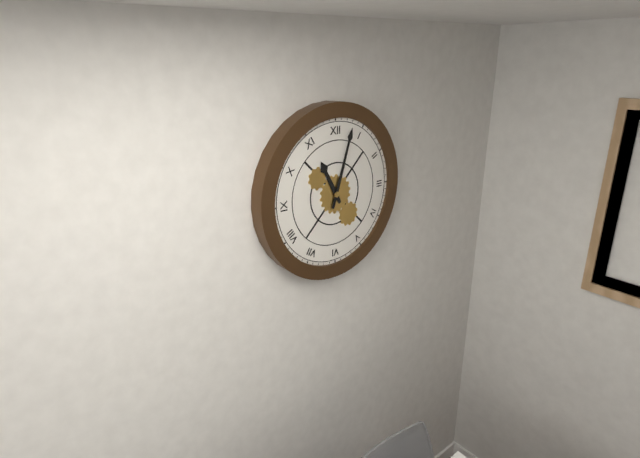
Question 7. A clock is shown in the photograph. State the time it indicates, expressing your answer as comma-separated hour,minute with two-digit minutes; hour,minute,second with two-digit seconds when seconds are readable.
11,03
